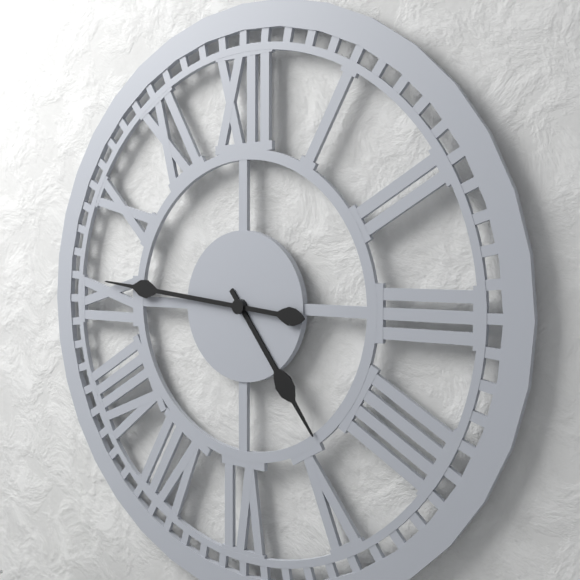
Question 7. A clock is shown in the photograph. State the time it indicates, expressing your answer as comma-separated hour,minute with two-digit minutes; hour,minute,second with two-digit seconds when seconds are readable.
4,46
